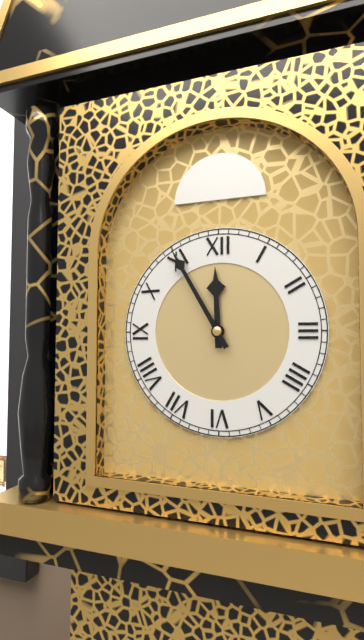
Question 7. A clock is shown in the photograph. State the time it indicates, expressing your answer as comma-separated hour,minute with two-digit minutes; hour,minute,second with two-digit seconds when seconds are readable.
11,55
